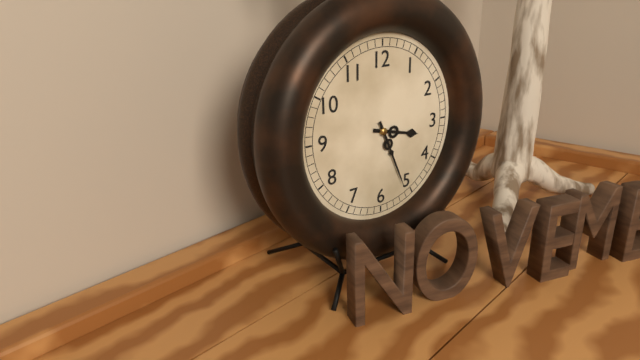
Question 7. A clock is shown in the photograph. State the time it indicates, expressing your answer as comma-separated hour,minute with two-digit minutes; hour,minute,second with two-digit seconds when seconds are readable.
3,26
